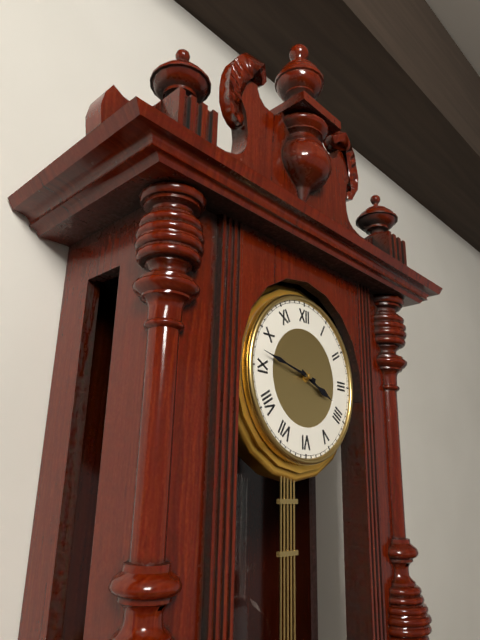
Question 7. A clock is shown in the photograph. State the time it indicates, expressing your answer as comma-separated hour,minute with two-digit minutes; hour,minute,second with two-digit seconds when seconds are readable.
3,47
